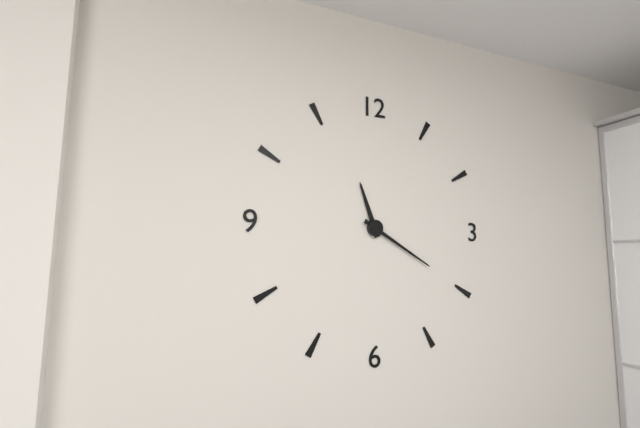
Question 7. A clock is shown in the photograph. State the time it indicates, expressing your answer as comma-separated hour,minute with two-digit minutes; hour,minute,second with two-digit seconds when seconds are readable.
11,20
